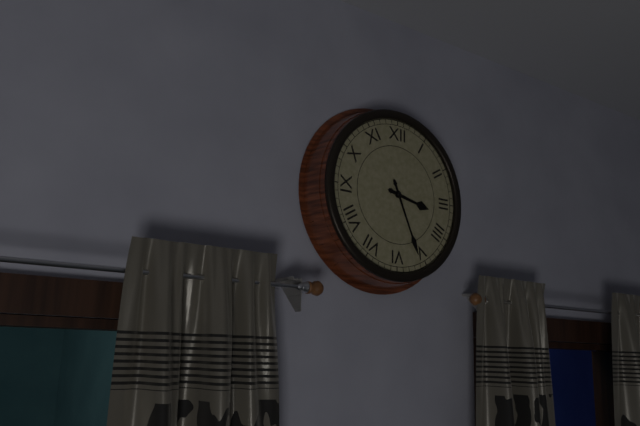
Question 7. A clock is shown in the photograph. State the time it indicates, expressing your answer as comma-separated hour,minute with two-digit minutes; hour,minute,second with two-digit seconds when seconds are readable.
3,26
